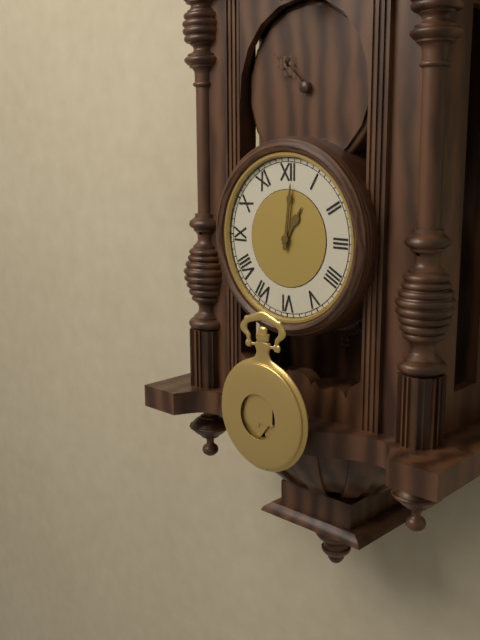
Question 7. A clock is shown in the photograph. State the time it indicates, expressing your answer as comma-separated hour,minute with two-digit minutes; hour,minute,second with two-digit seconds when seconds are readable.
1,01
